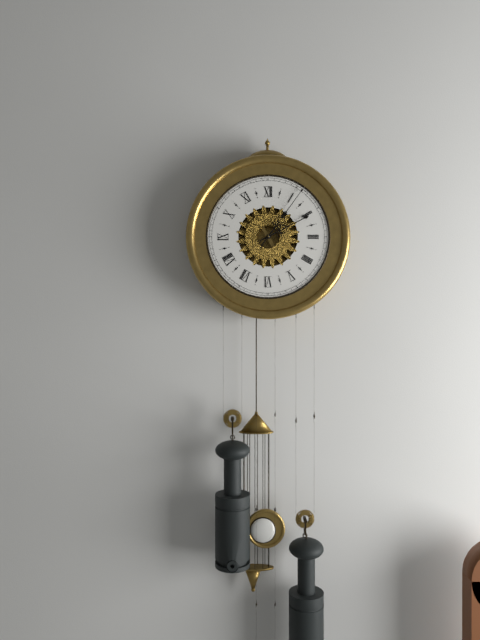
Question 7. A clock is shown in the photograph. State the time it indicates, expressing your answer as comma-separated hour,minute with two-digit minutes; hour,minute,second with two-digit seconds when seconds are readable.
2,06
